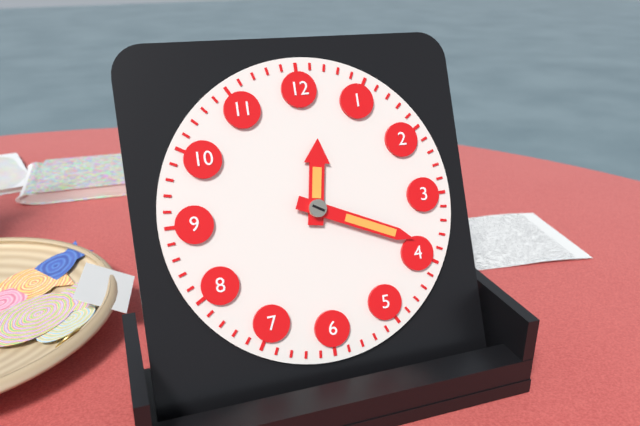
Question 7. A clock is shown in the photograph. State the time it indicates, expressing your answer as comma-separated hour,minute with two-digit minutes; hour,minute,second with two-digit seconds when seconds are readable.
12,19
